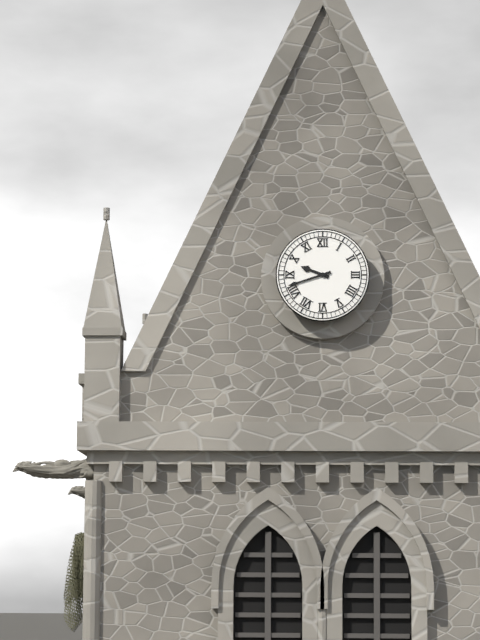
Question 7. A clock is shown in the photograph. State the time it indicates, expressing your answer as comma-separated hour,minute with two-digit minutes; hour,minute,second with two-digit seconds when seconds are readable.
9,42
